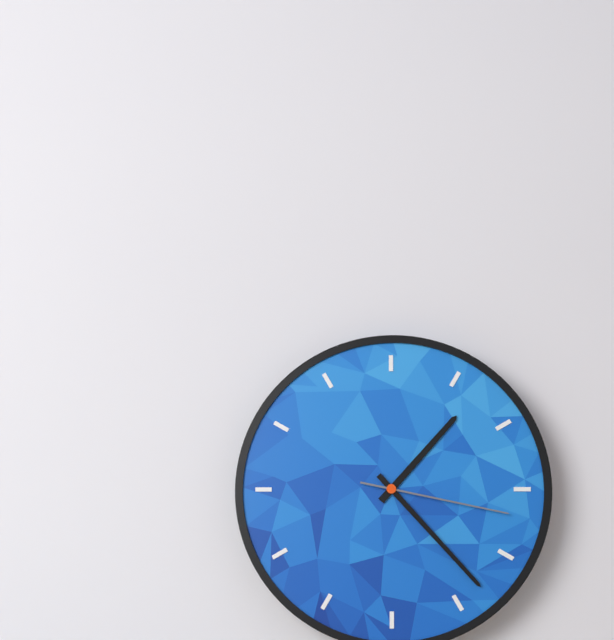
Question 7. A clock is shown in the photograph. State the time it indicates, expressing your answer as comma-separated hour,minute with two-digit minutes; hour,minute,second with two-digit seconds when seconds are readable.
1,23,17
